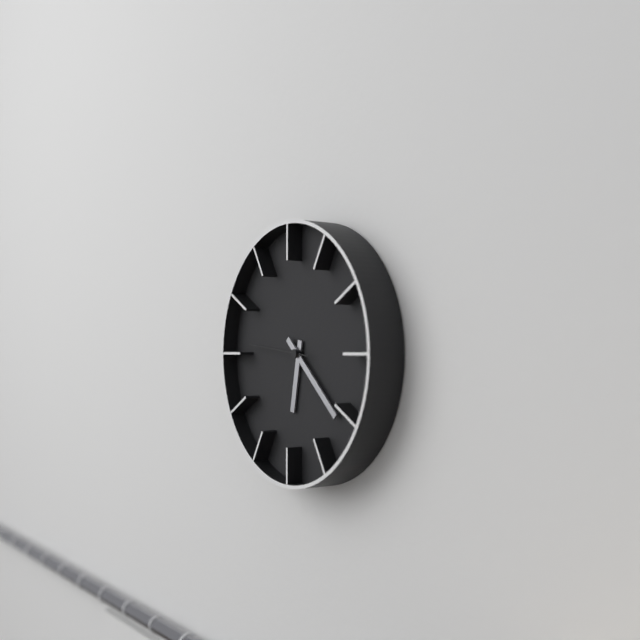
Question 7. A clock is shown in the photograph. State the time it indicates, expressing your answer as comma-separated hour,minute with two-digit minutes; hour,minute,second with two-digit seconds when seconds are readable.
6,22,46
